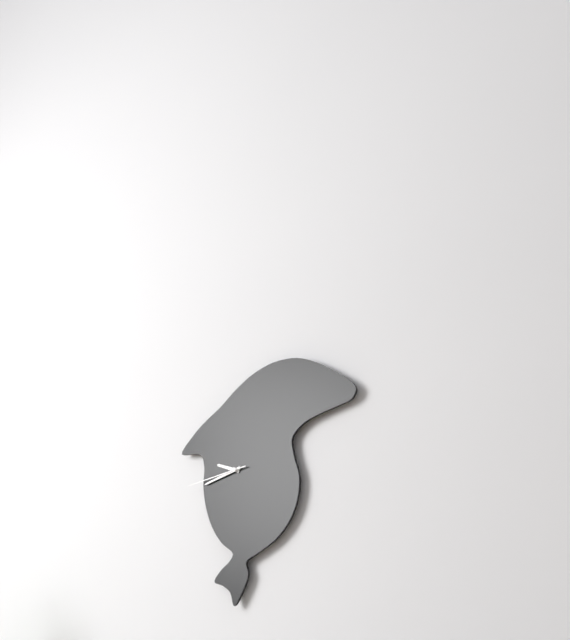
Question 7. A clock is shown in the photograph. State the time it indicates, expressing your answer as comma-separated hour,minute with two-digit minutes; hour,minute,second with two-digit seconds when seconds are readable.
9,43,44
